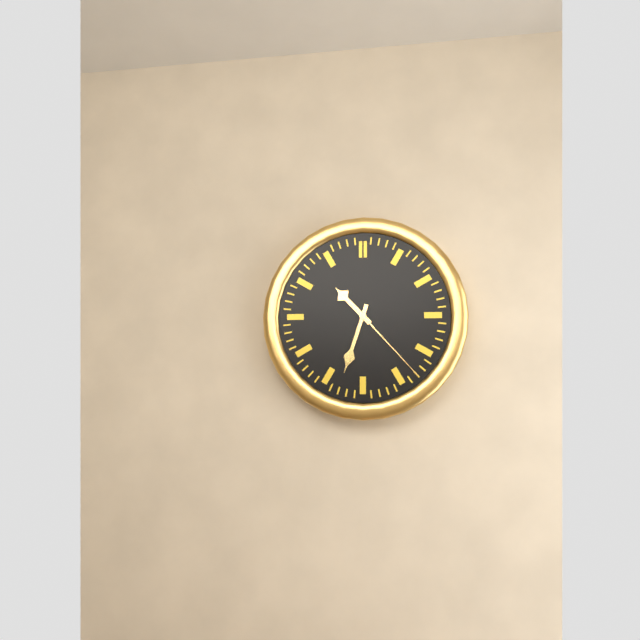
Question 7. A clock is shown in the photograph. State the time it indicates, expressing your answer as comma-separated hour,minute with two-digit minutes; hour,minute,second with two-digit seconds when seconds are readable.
10,33,23
